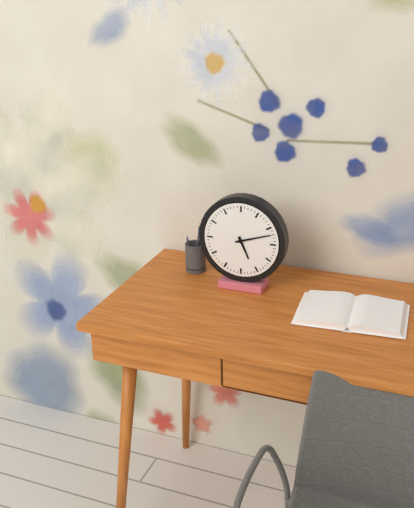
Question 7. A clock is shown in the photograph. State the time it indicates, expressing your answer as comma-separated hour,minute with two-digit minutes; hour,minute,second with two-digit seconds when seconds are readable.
5,12
